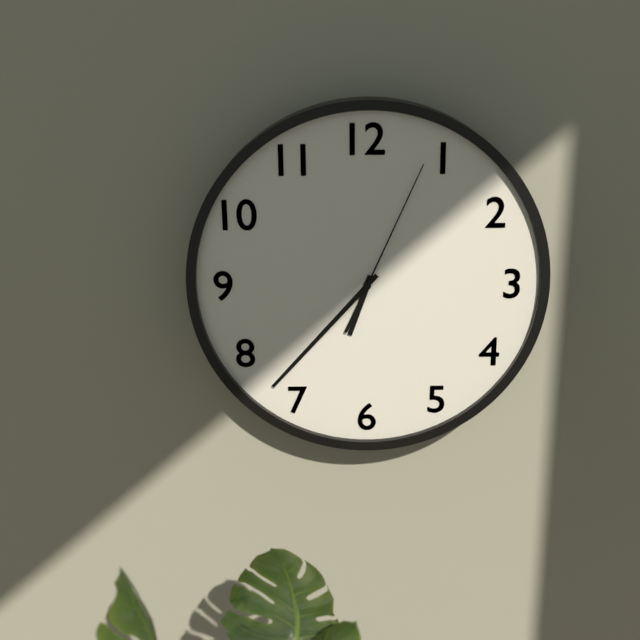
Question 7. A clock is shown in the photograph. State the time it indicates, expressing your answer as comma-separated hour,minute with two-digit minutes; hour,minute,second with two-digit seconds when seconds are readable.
6,37,04
